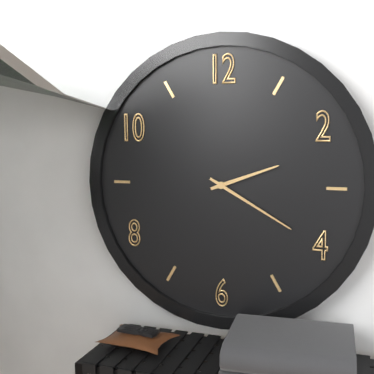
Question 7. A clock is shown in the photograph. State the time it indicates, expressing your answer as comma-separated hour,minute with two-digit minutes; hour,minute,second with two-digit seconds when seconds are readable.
2,20
